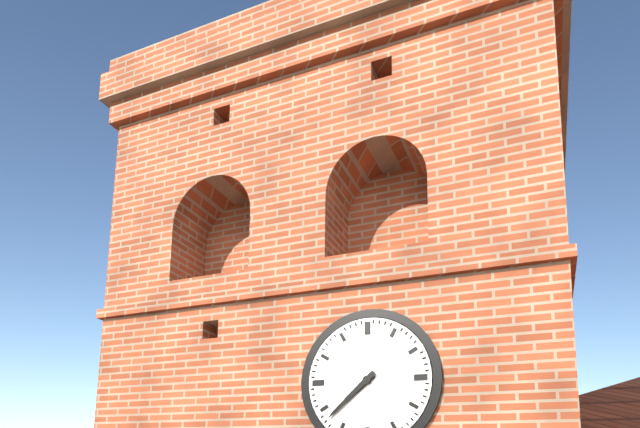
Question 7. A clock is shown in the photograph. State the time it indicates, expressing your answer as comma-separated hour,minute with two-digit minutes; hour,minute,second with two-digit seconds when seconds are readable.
7,38
